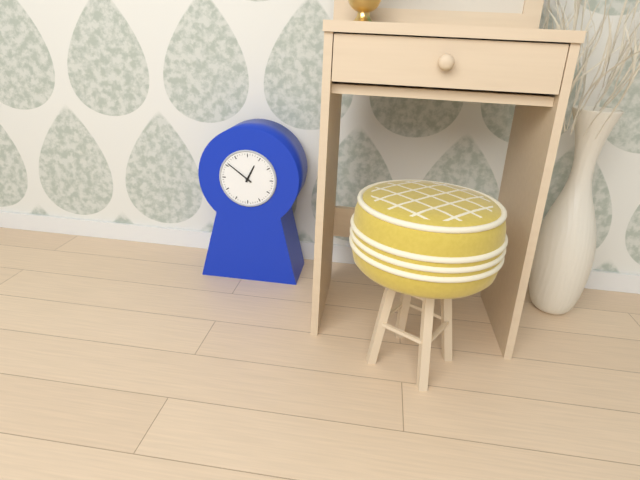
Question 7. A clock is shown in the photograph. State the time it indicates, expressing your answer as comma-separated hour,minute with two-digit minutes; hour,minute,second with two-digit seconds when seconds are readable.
12,51
